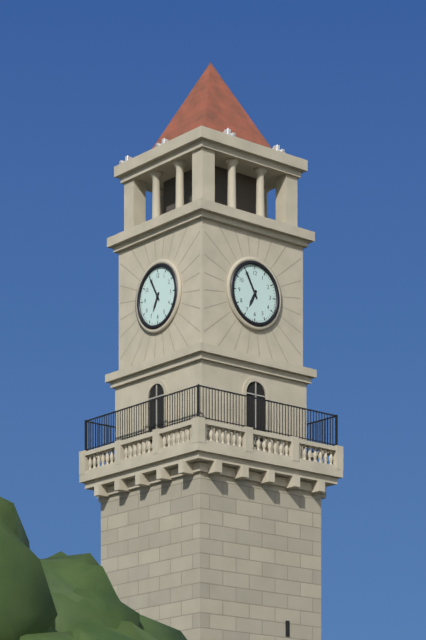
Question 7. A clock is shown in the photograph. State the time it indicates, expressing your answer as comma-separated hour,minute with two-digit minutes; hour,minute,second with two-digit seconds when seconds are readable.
6,55
